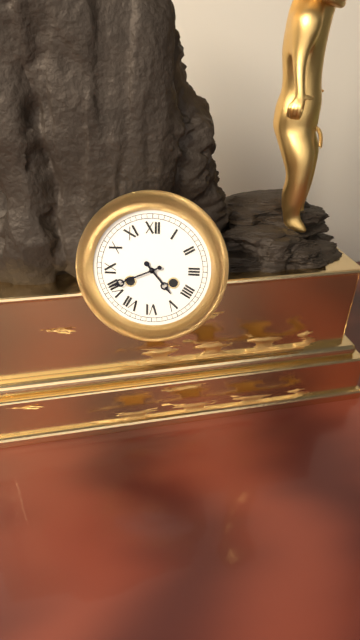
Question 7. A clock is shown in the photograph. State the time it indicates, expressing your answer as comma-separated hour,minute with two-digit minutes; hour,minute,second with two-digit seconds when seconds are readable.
4,41
